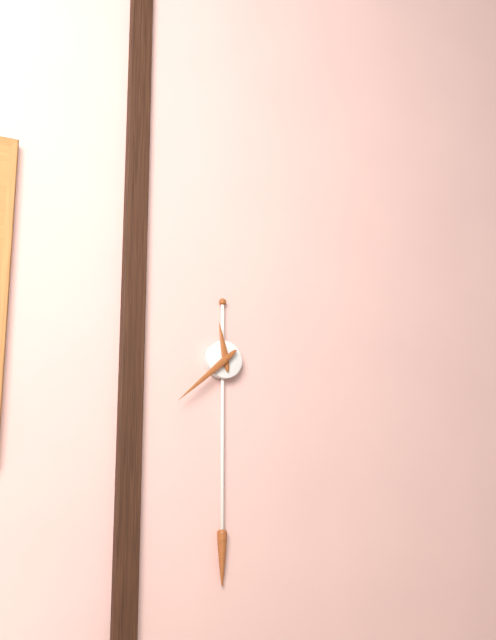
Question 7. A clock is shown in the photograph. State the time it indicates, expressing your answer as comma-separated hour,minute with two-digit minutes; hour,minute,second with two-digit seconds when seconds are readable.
11,38
